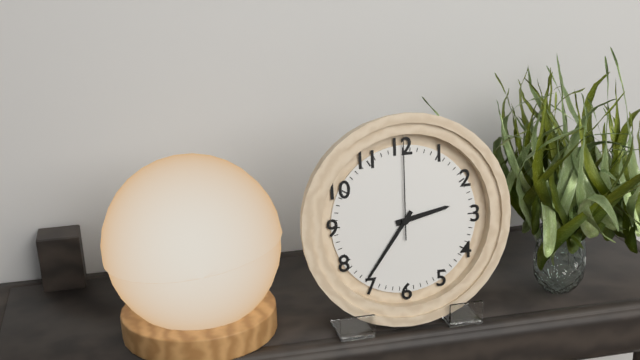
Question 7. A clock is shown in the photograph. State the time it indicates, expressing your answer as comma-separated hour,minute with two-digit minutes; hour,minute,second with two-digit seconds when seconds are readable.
2,36,00
